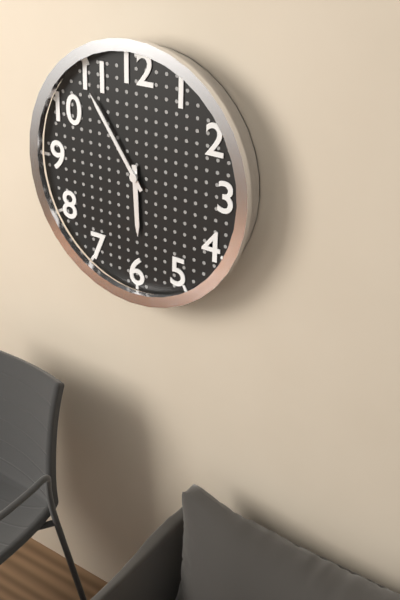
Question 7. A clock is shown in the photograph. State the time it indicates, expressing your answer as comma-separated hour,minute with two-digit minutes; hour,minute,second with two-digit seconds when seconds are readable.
5,54
